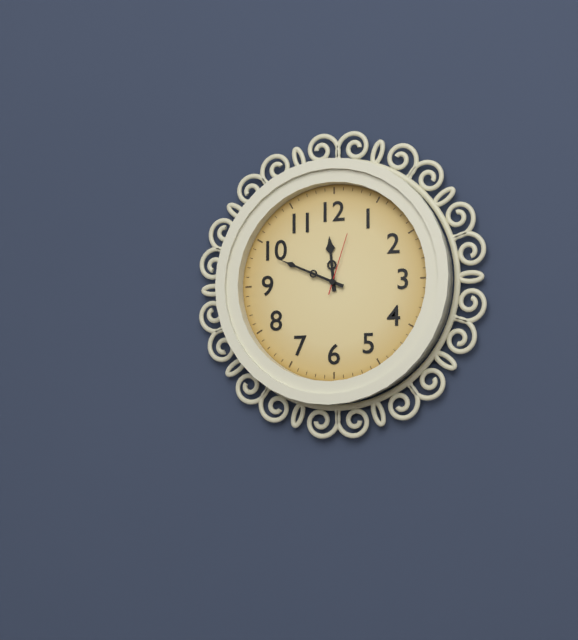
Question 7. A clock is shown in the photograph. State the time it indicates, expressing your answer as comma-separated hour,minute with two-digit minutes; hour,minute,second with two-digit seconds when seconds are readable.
11,49,03
